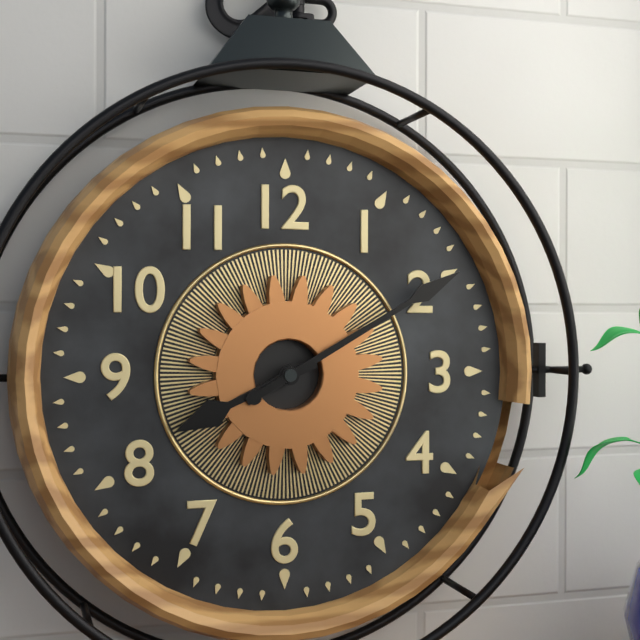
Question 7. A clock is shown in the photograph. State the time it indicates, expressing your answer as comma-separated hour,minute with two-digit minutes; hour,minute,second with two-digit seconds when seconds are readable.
8,10
